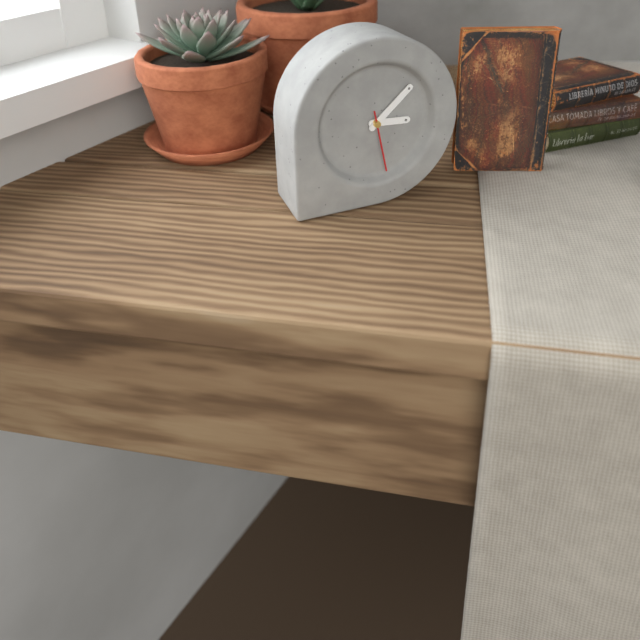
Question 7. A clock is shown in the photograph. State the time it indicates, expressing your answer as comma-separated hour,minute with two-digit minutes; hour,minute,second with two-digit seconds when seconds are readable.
3,08,28
